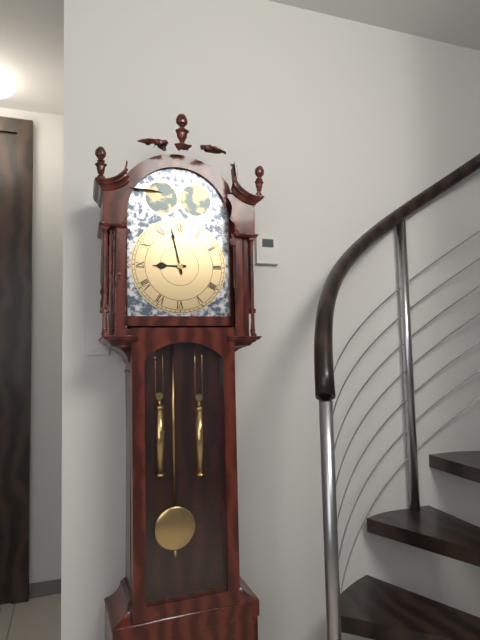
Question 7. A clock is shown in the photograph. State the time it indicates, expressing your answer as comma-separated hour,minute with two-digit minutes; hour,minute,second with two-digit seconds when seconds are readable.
8,58
